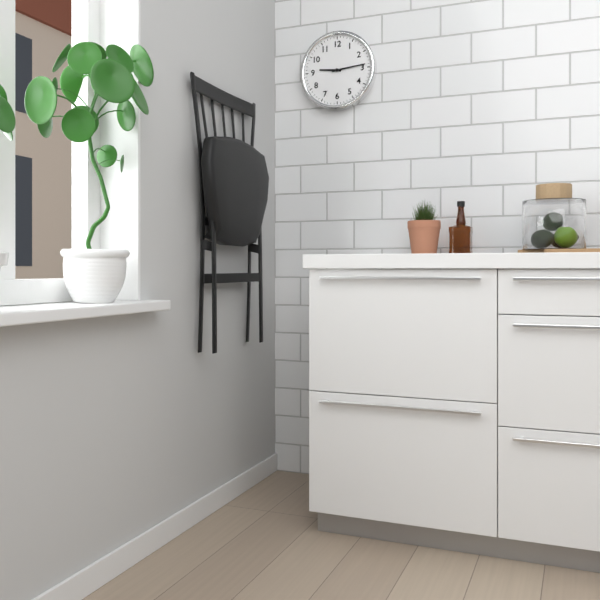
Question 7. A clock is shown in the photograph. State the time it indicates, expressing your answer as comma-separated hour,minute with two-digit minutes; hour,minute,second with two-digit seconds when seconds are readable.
9,14
